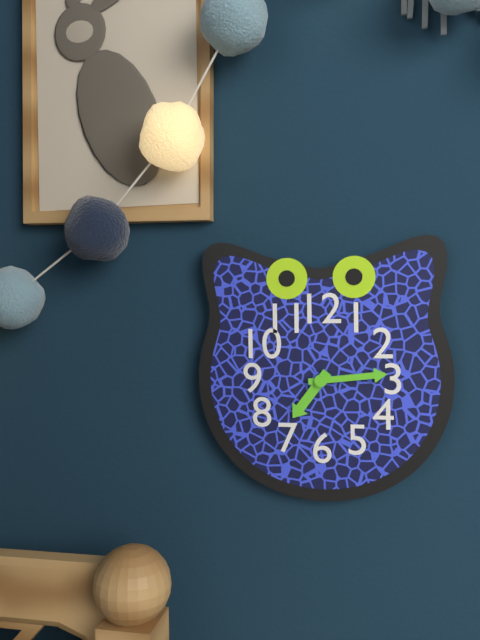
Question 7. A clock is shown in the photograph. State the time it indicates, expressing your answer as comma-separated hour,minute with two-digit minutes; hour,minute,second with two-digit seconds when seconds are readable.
7,14
